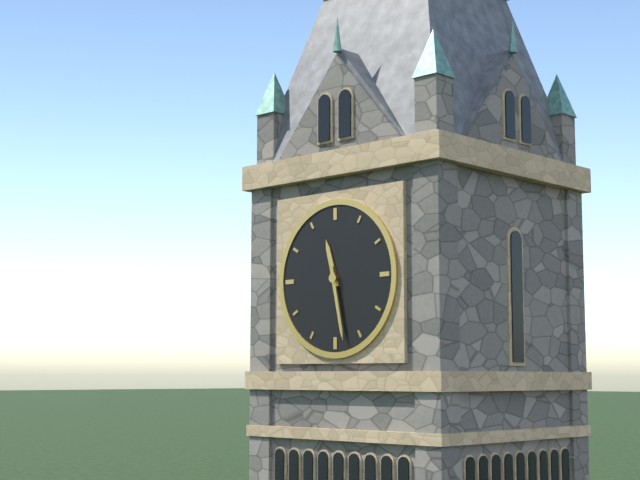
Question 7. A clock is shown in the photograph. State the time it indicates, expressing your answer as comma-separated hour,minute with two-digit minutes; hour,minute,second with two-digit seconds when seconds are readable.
11,28
